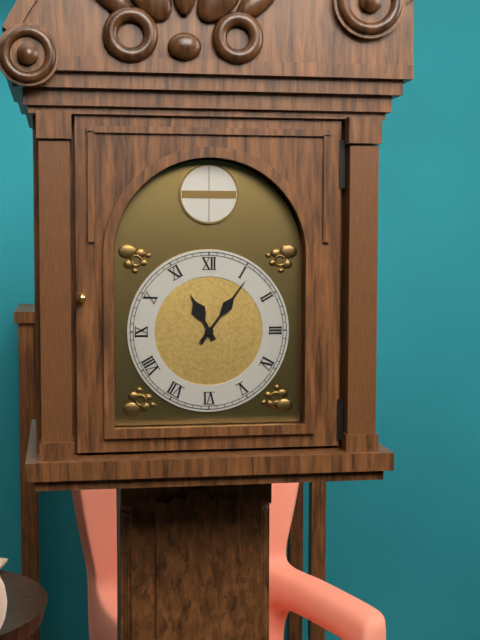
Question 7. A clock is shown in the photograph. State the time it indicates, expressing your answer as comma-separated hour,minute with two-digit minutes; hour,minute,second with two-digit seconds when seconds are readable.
11,06
